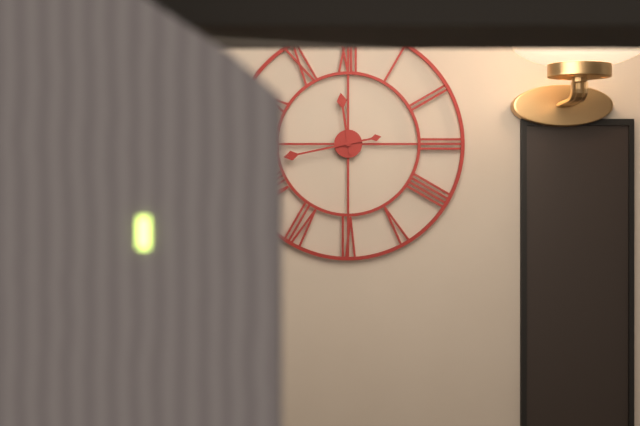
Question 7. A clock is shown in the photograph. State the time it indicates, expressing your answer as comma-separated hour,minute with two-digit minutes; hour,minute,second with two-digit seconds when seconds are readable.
11,43
